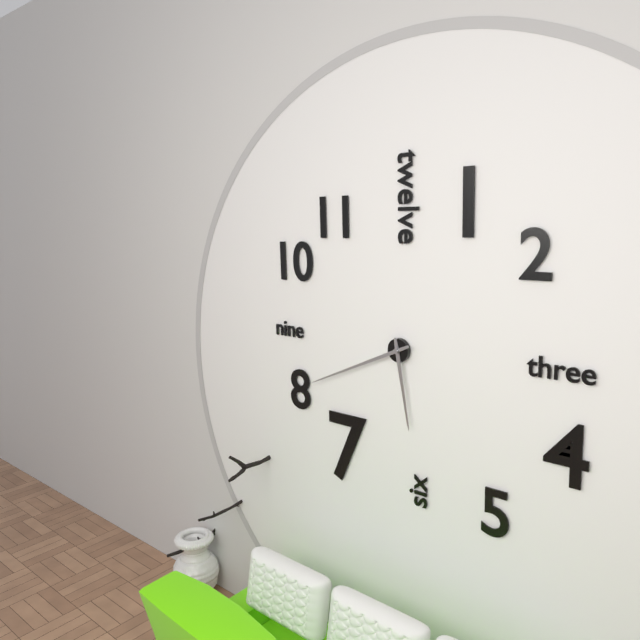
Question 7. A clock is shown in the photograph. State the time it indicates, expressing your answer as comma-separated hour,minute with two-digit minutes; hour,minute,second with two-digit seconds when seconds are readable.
5,41
